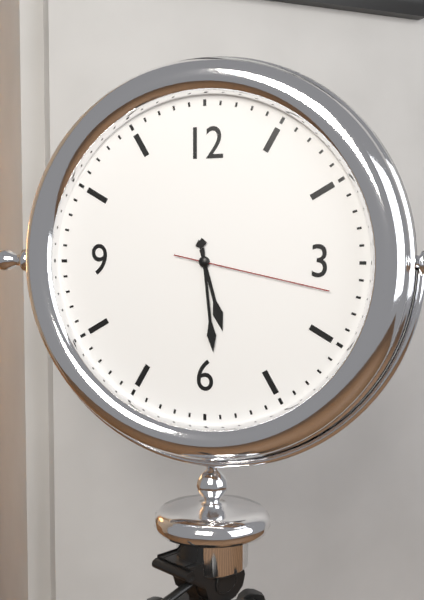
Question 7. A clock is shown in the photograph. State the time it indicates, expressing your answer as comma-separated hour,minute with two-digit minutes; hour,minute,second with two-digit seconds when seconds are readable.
5,29,17
